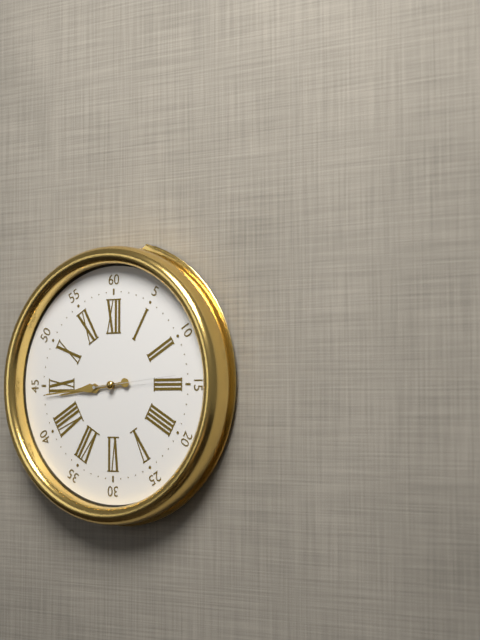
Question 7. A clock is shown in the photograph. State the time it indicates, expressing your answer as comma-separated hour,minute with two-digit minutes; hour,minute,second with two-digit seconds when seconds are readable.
8,44,14
